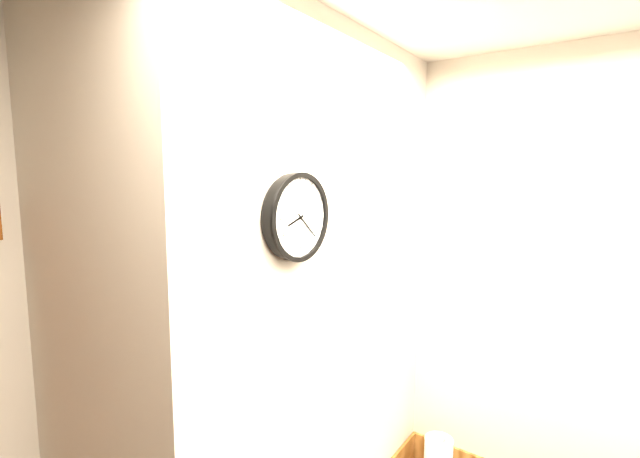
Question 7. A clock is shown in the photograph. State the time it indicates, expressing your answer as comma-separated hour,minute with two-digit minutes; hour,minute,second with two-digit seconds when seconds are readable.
8,22
